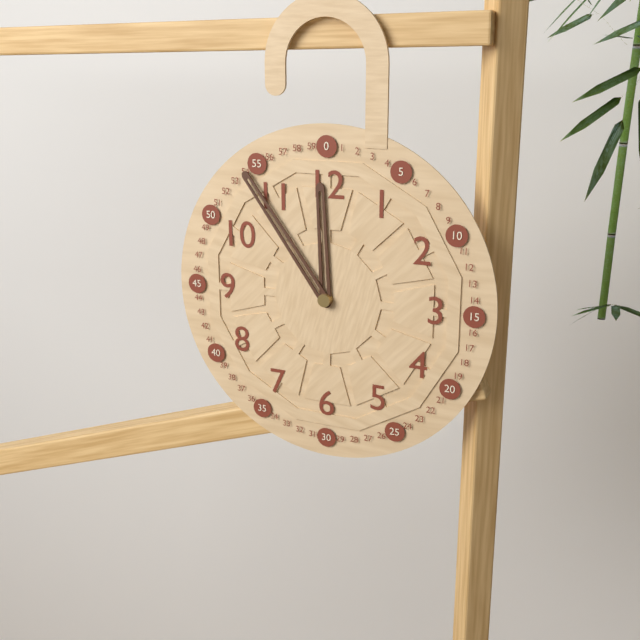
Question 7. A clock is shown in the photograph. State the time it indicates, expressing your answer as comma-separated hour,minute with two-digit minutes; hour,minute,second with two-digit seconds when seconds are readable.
11,54
